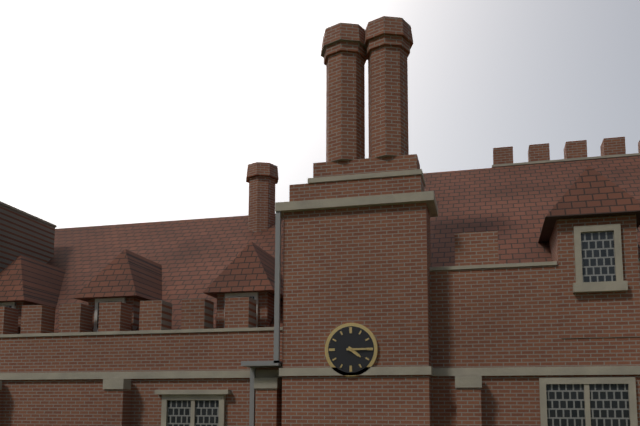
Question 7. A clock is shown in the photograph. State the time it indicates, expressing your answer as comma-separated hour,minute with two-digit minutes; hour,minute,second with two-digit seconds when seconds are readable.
4,15
